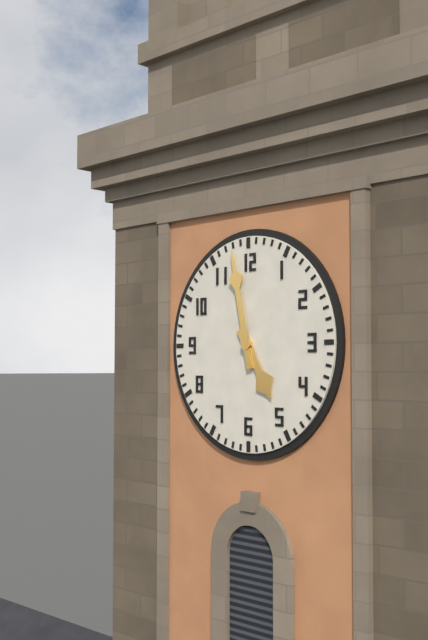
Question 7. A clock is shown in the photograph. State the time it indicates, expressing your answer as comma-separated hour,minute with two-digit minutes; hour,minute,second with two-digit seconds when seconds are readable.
4,58
